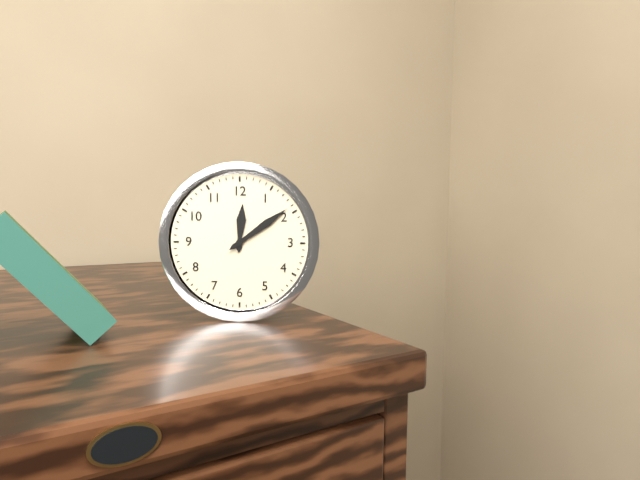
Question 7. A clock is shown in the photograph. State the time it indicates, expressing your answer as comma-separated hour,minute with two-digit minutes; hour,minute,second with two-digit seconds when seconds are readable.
12,09
